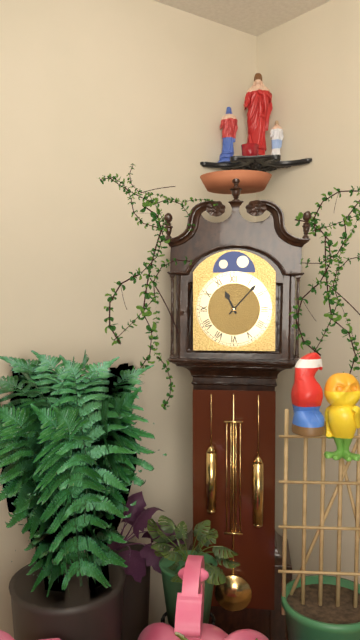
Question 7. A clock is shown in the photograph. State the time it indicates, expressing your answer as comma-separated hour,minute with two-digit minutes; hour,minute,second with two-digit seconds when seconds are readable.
11,07
